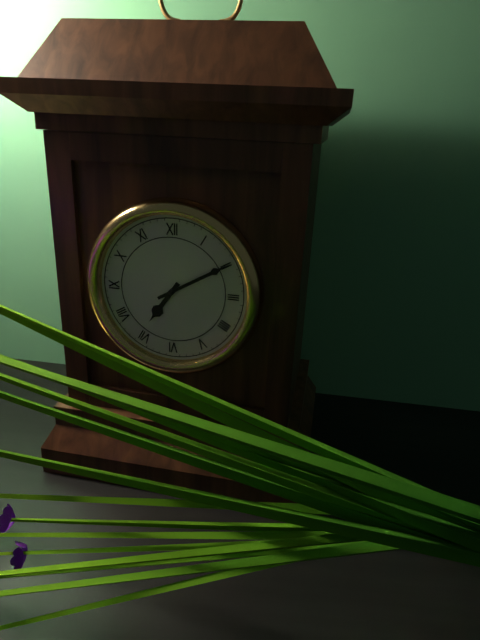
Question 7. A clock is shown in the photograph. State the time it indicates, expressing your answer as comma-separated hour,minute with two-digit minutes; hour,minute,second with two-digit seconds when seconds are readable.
7,10
